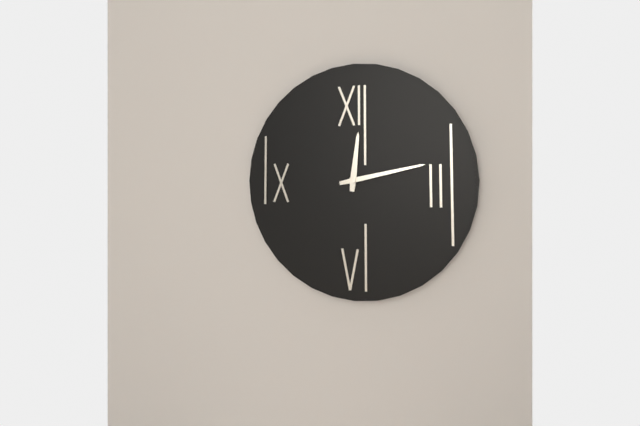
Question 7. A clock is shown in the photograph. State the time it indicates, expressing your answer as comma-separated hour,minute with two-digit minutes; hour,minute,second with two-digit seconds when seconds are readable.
12,13
